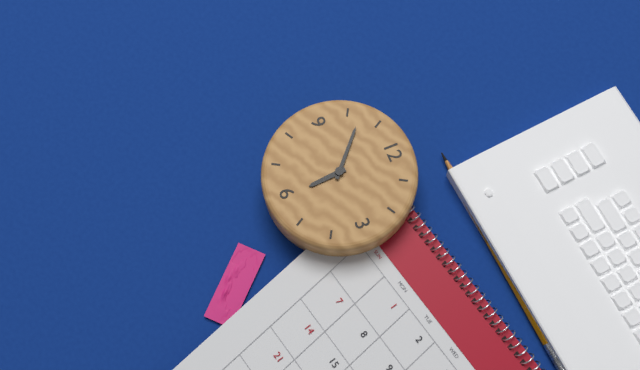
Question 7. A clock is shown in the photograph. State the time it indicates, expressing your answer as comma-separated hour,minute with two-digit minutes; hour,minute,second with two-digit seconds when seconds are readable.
5,52
